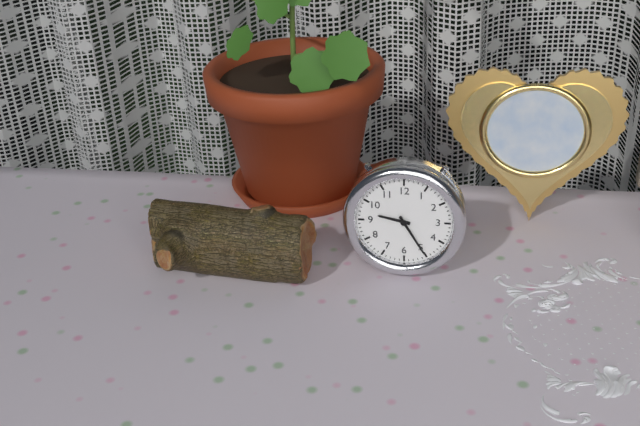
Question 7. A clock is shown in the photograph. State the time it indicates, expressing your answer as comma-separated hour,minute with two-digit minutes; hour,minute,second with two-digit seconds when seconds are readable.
9,25
